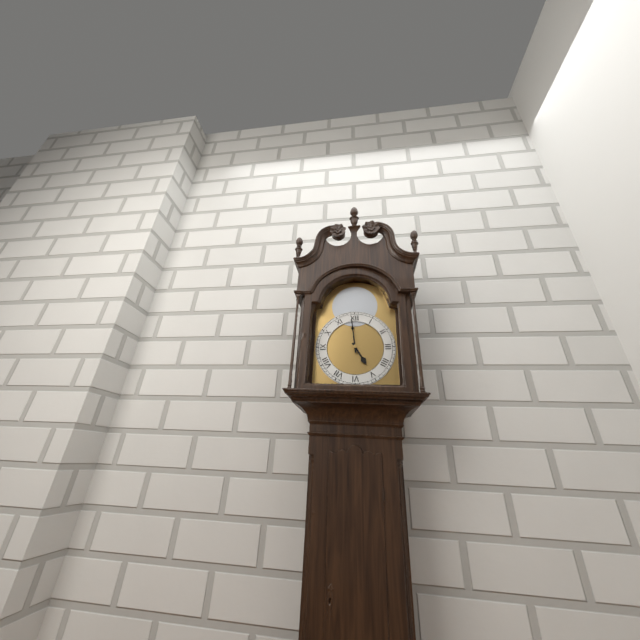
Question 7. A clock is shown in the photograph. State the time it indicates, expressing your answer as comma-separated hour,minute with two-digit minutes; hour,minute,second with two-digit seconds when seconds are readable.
4,59
